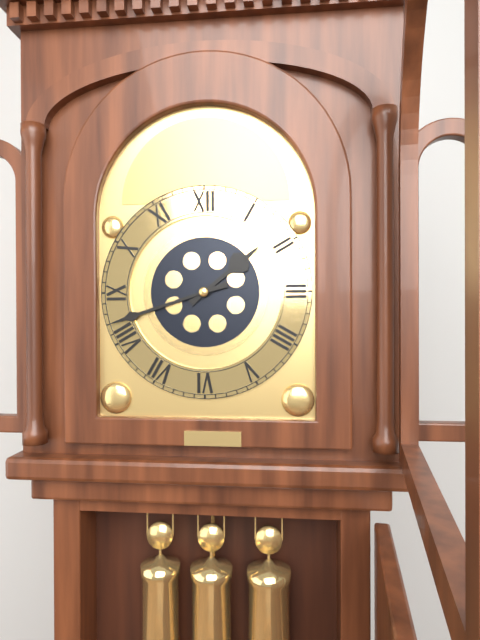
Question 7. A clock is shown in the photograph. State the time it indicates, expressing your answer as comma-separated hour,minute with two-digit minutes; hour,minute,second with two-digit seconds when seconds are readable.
1,42
